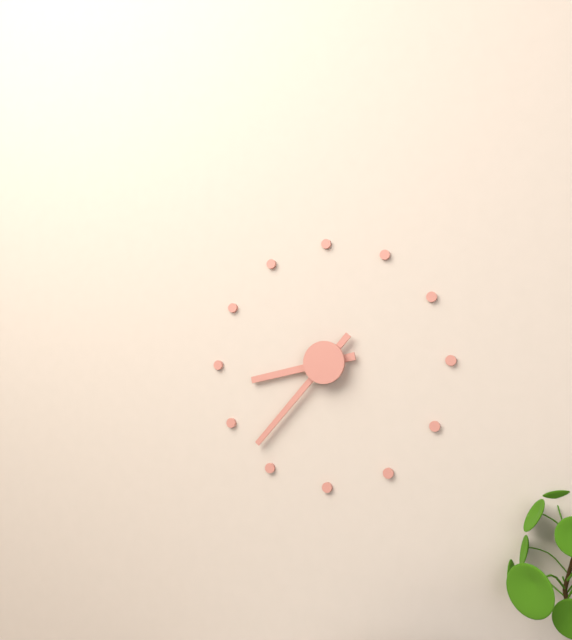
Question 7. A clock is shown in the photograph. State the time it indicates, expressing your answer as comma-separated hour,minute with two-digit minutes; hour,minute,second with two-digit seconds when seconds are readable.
8,37
